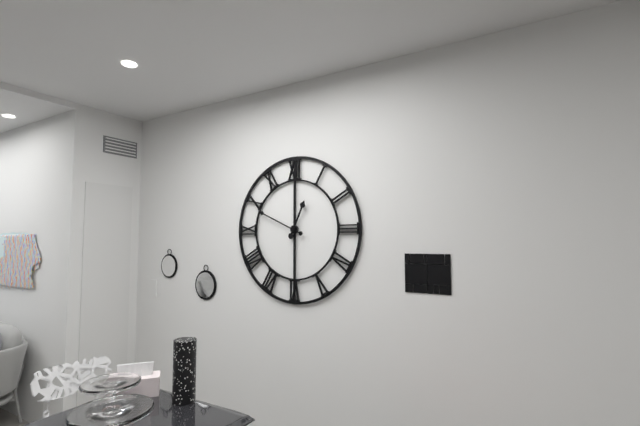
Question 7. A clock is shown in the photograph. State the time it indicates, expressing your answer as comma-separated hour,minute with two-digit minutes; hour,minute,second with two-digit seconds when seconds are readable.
12,49
